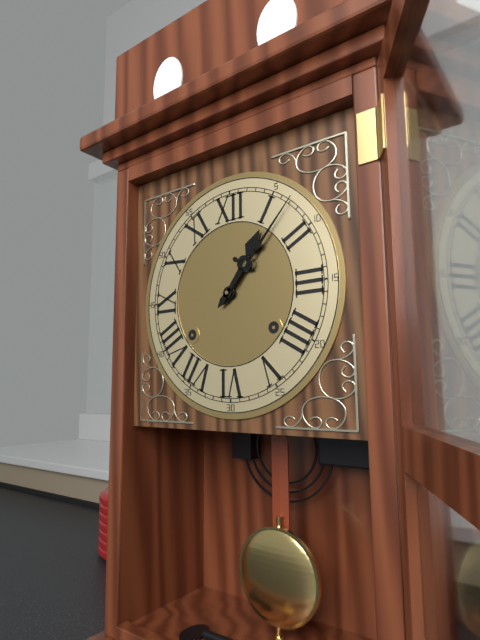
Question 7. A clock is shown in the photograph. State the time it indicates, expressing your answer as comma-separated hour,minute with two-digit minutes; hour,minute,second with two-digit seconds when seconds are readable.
1,07
